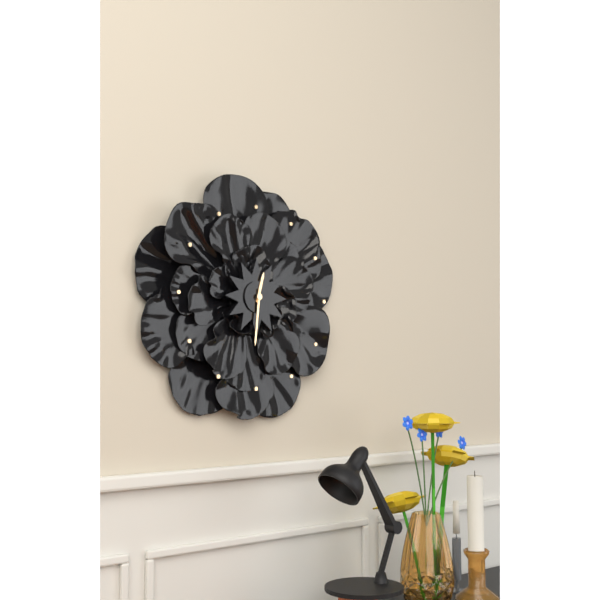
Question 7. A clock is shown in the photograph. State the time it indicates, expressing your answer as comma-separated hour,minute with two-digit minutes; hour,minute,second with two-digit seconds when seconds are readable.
12,31
